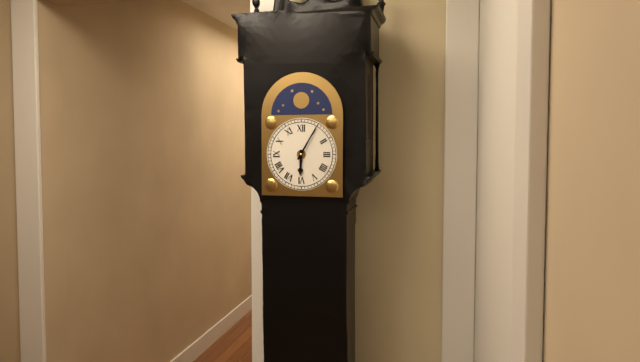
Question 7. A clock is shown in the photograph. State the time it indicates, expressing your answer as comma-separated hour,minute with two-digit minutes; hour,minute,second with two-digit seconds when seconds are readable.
6,05
